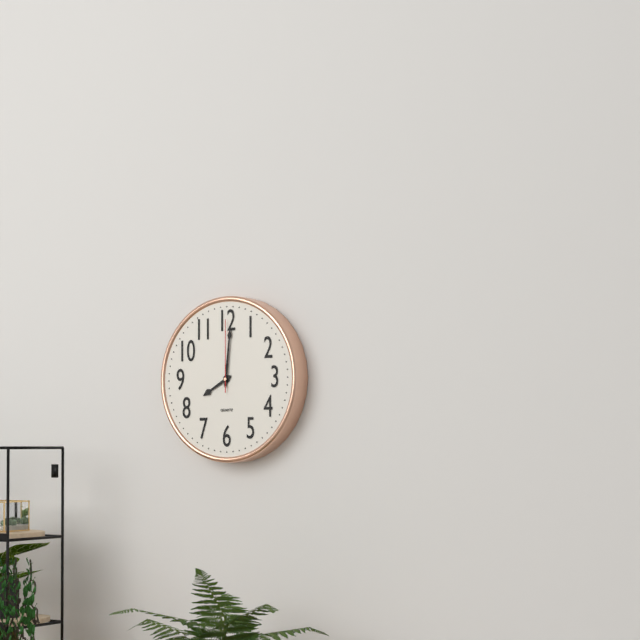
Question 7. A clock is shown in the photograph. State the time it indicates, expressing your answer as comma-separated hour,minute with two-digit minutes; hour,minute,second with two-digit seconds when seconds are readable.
8,01,00
